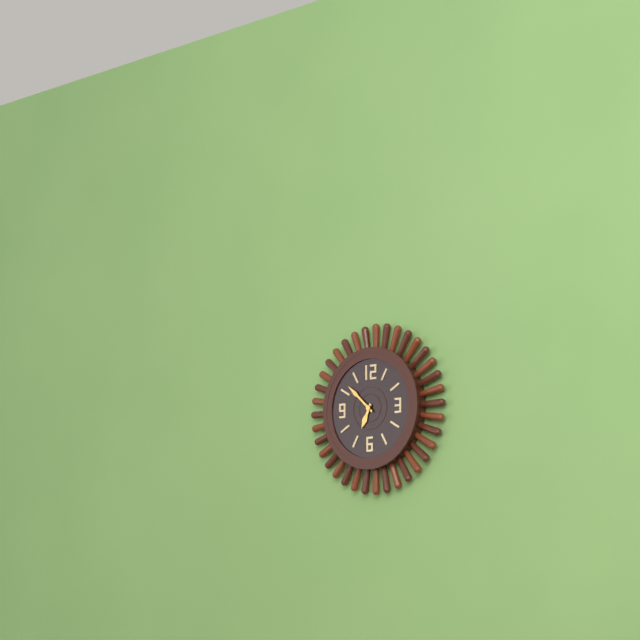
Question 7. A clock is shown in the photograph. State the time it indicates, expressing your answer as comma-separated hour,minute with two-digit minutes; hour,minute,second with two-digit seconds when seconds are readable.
6,52
